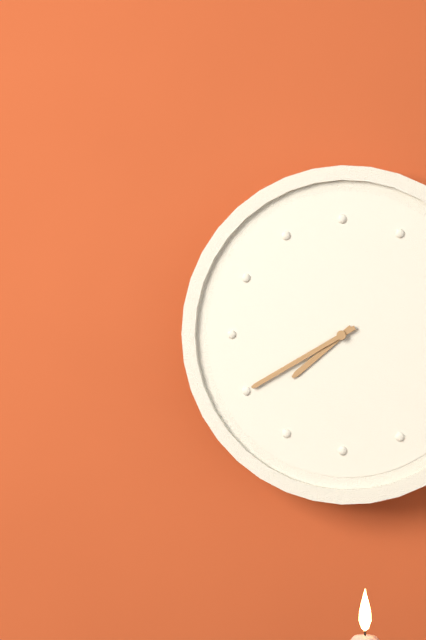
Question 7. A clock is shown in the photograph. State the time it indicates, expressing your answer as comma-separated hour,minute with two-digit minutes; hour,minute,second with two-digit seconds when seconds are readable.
7,40
